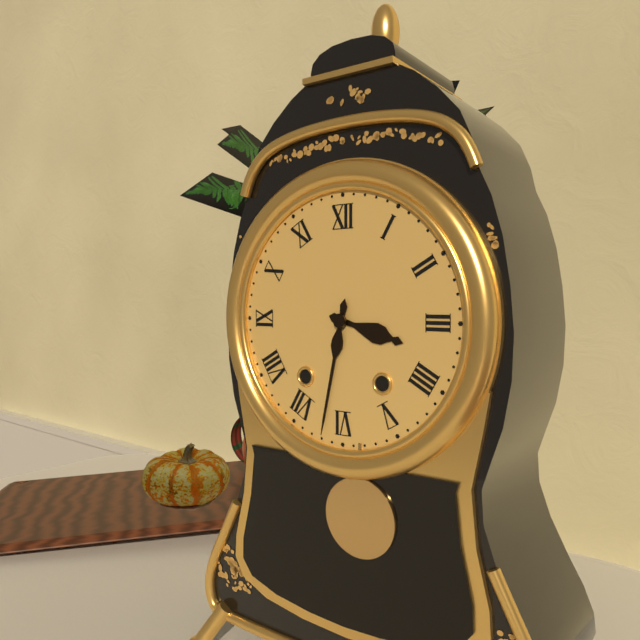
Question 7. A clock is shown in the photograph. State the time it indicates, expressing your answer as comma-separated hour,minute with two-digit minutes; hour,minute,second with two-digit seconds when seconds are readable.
3,32
